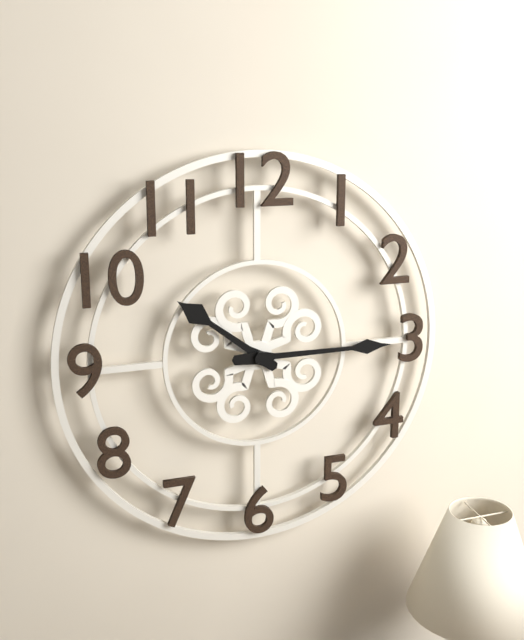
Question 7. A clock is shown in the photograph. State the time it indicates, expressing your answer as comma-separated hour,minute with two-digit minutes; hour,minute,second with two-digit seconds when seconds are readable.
10,15
